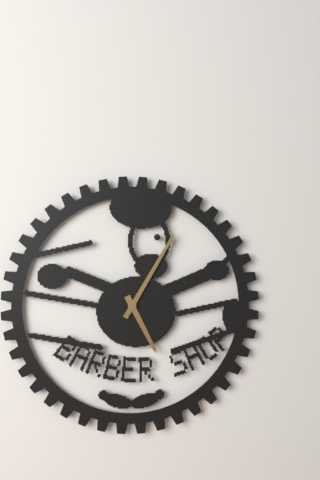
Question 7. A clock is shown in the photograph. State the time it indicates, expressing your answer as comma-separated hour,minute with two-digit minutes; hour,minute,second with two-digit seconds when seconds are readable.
5,05
